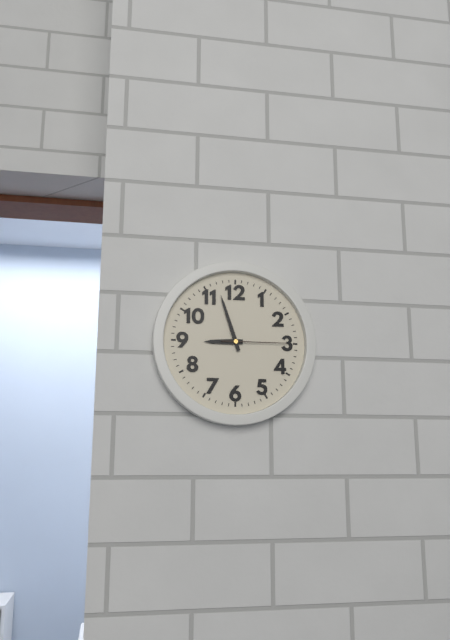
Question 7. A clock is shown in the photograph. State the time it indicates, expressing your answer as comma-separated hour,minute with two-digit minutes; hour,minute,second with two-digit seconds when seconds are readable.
8,57,15
